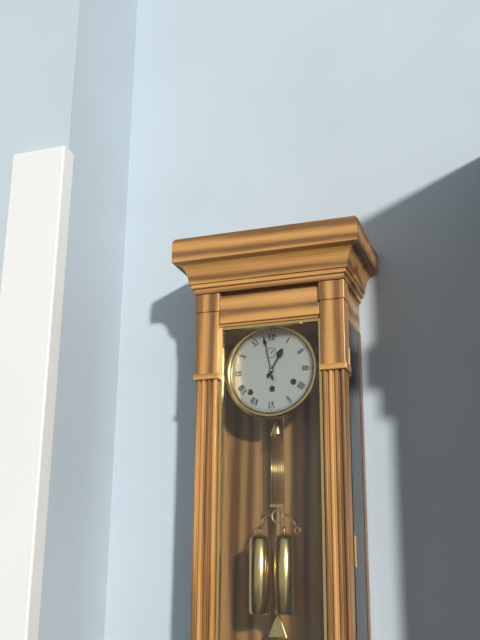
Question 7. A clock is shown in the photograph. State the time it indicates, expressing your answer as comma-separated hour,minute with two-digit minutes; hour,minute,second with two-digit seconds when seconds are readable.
12,58
